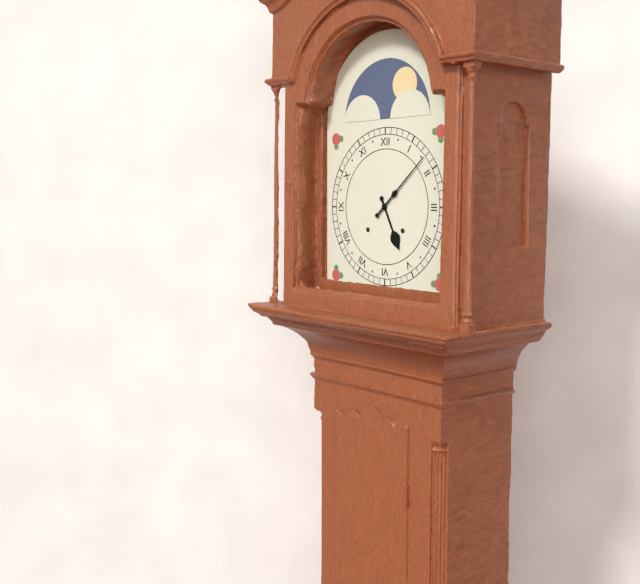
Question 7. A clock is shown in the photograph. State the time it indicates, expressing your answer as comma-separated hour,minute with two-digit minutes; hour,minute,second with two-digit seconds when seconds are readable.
5,08
